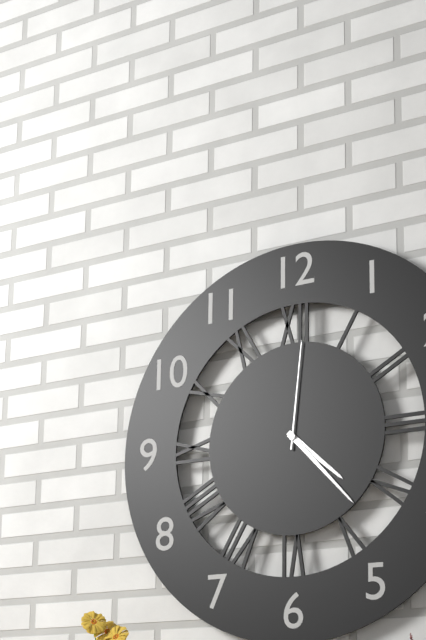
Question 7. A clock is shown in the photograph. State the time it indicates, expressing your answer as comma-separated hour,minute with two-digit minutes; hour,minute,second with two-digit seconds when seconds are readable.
4,23,01
